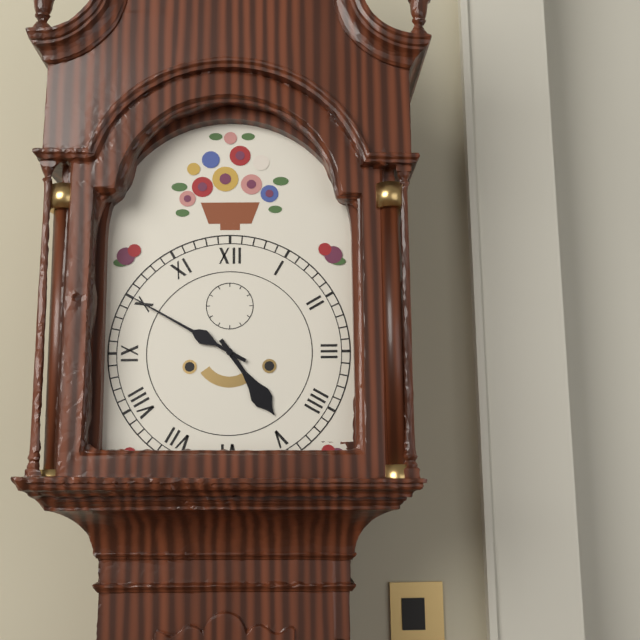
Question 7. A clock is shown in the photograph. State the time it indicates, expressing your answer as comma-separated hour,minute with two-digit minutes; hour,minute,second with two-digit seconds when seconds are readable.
4,50
